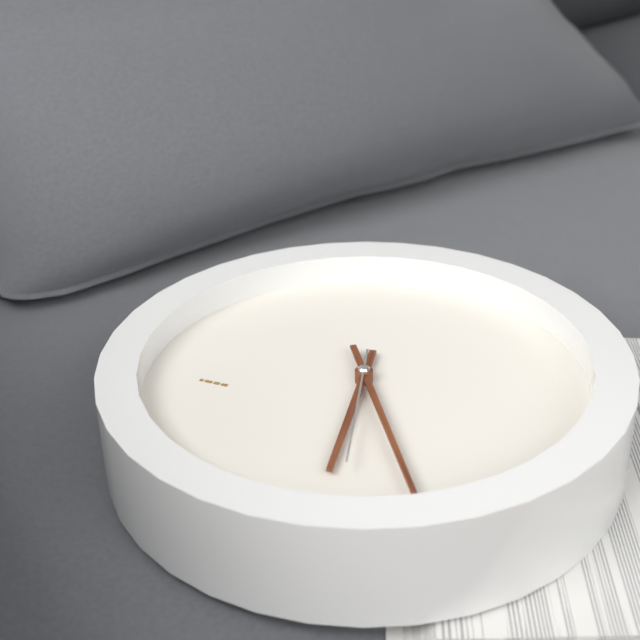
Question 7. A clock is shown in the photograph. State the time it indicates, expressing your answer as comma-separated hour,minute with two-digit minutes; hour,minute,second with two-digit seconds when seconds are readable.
5,23,26
